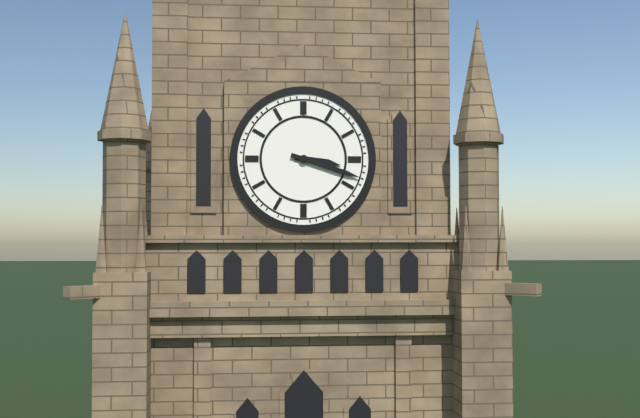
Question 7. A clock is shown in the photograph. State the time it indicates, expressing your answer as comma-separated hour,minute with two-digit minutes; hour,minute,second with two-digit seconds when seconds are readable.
3,18
